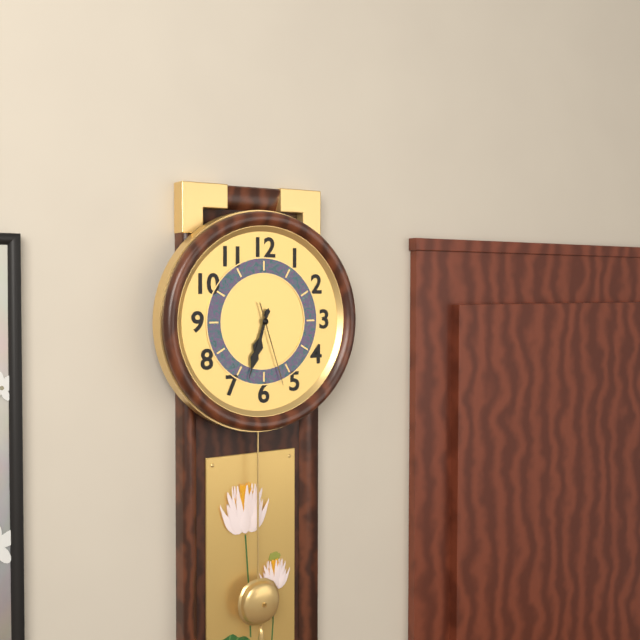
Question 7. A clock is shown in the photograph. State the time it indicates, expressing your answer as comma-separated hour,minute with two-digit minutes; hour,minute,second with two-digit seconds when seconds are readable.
6,33,27
